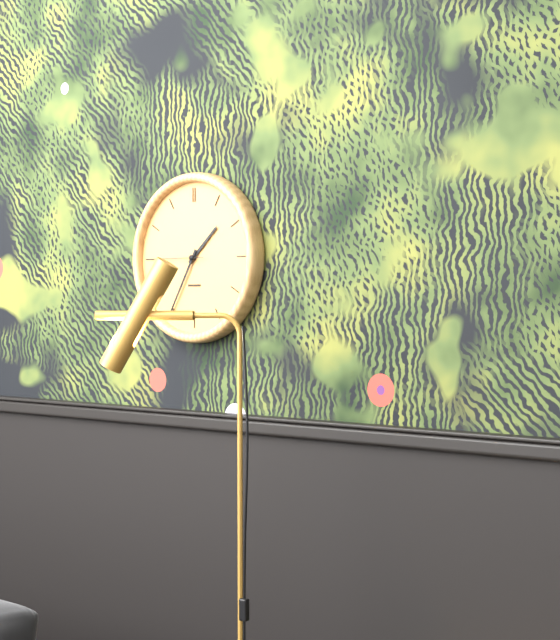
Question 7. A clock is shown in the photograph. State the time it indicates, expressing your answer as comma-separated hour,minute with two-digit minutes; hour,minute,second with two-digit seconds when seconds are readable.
1,35,45
